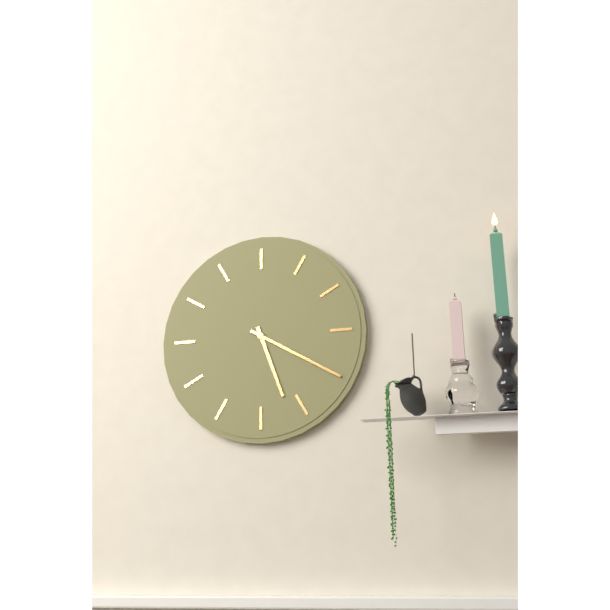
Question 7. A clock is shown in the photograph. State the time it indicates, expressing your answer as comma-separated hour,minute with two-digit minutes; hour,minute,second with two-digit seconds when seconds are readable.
5,20
